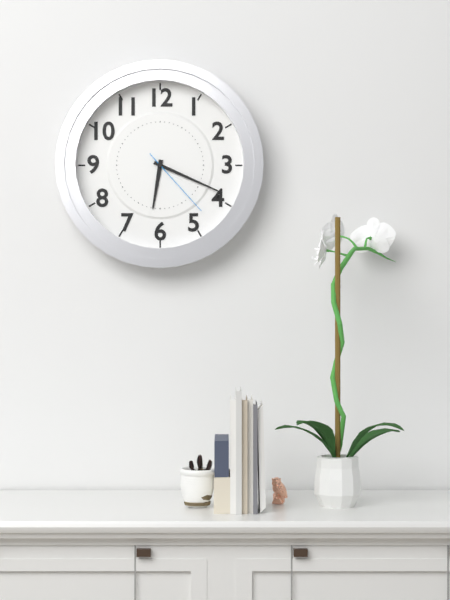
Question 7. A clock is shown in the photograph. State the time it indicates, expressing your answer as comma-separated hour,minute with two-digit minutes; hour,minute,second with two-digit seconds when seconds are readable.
6,19,23
